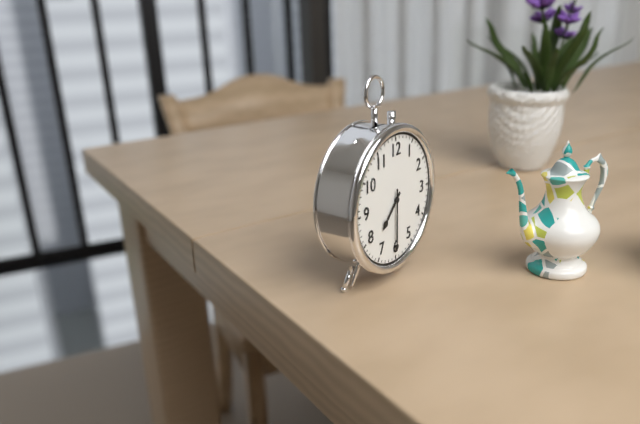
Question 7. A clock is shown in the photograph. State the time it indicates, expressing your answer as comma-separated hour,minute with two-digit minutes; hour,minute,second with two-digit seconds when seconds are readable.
7,30
